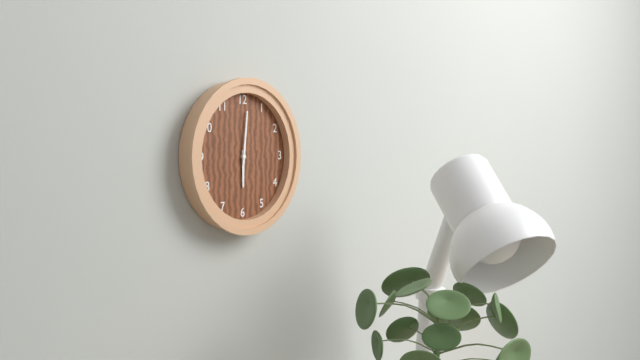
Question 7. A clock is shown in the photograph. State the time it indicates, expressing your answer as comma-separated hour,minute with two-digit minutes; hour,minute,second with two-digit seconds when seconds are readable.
6,01
